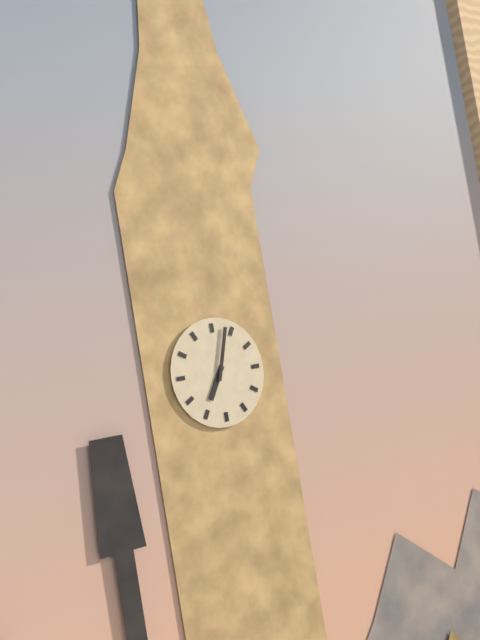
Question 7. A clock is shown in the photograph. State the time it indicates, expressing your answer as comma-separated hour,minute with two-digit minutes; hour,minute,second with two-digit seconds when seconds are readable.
7,03
